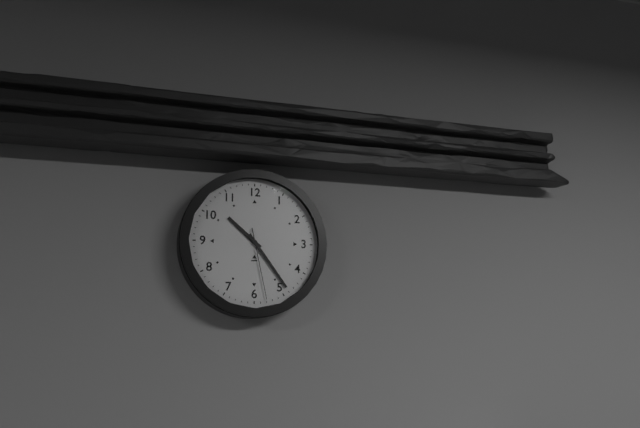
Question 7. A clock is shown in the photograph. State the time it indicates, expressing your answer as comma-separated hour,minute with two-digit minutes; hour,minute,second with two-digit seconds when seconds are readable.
10,24,28
